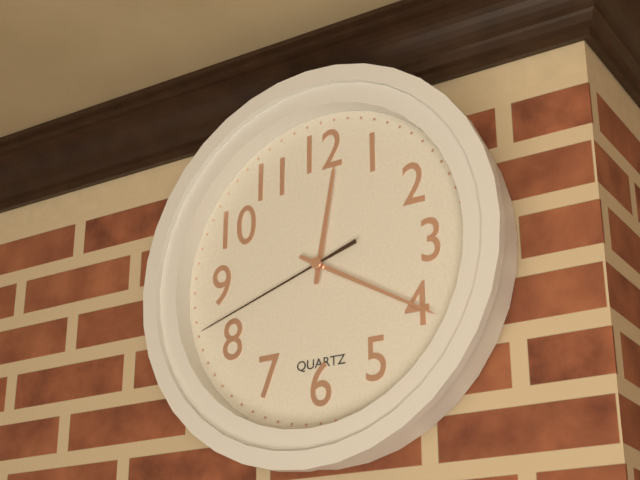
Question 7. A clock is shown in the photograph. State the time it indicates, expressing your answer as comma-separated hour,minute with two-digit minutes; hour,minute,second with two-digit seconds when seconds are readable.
12,20,42
